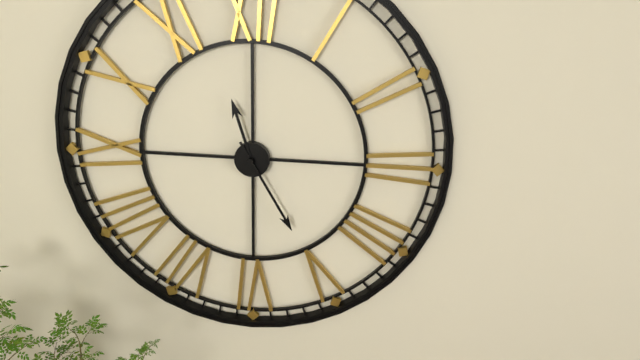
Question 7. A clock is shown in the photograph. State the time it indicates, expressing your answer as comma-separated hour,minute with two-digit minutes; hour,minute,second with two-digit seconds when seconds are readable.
11,25
